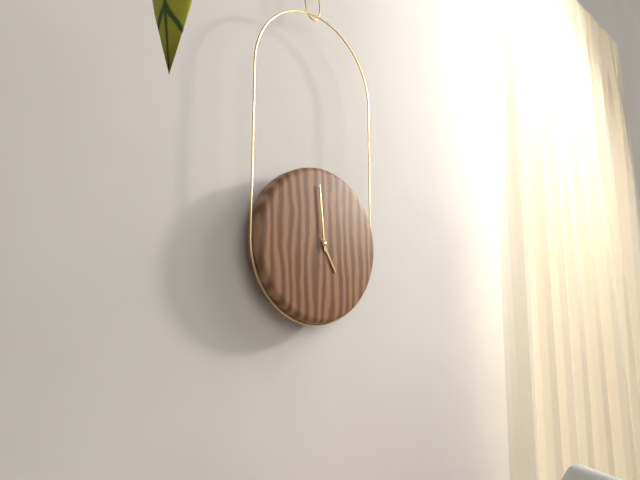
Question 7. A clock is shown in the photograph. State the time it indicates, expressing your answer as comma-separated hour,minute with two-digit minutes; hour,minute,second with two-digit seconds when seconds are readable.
4,59
